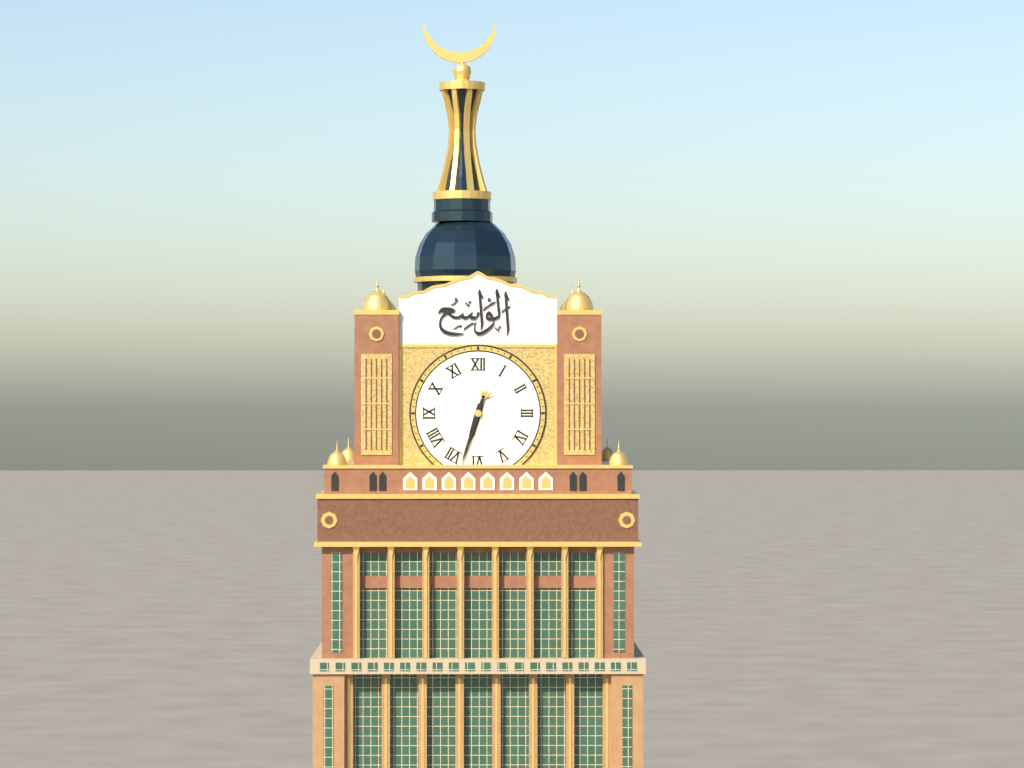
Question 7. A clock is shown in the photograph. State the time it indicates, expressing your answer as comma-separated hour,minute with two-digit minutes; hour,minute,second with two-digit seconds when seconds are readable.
6,33
